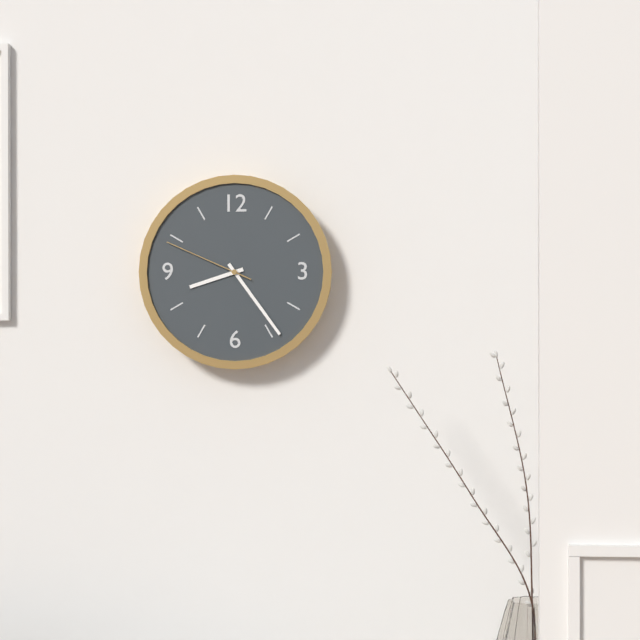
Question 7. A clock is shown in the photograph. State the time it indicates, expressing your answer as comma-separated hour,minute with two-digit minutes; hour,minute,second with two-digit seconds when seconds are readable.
8,24,49
